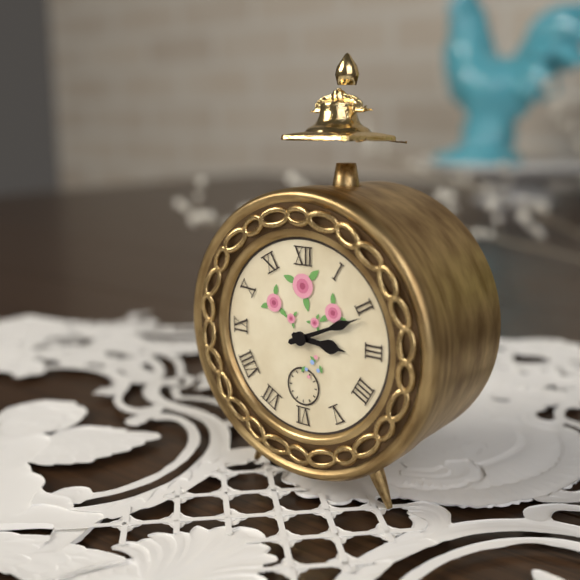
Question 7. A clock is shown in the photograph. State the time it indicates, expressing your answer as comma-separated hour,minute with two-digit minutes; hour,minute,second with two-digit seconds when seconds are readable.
3,11
